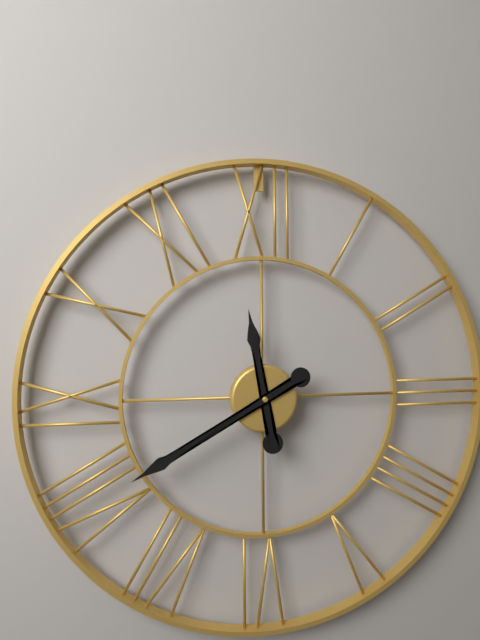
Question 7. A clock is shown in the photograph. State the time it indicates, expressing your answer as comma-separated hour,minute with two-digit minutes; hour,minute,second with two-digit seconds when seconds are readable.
11,40
